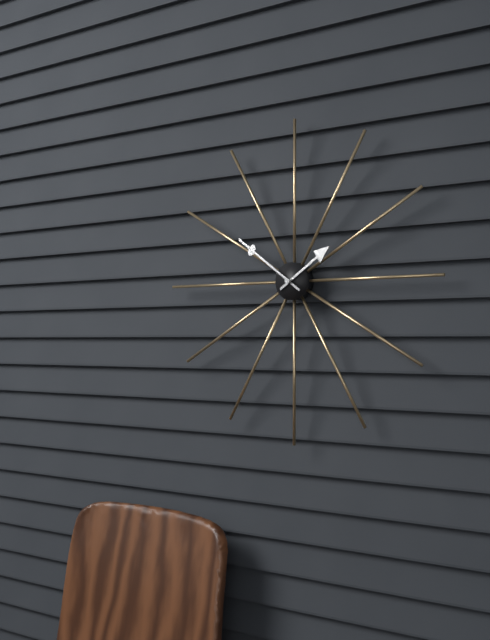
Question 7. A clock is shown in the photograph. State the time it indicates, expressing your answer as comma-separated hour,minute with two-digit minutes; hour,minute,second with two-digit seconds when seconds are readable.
1,51
